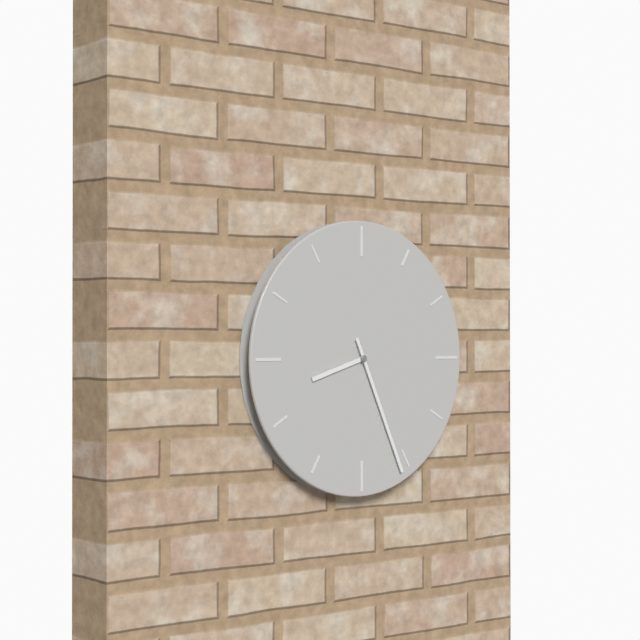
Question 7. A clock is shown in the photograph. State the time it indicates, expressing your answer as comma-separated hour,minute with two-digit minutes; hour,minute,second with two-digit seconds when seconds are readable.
8,26
